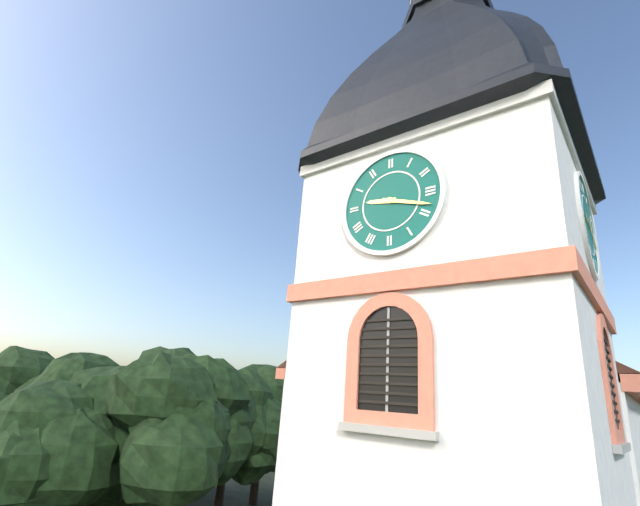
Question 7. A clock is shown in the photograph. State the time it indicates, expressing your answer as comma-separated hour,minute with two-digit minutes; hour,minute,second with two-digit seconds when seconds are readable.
9,18
